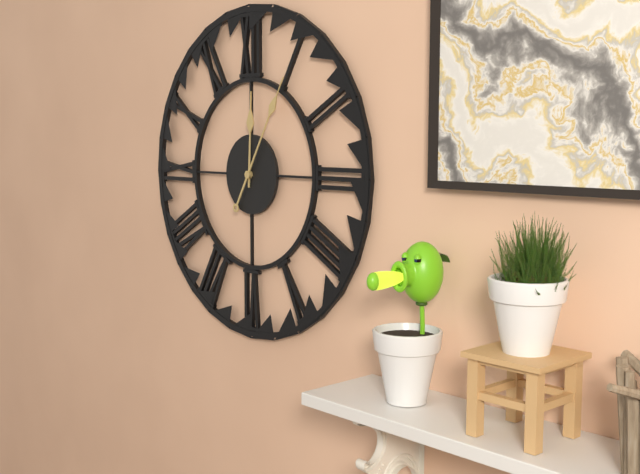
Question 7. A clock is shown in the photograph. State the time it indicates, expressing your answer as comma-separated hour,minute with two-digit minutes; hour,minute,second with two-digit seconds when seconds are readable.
12,05
